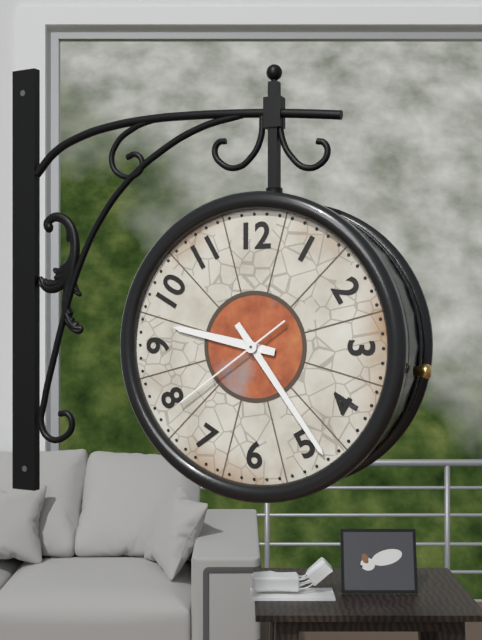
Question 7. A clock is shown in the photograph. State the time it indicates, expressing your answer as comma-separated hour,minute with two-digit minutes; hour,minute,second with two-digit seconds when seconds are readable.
9,24,39
